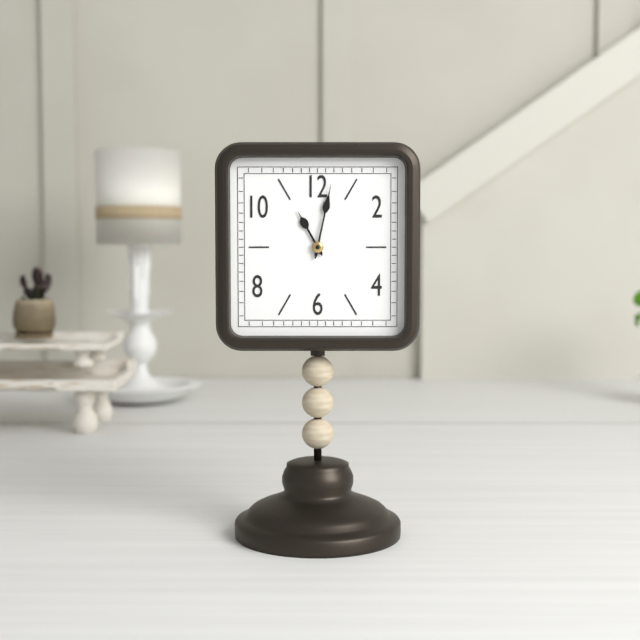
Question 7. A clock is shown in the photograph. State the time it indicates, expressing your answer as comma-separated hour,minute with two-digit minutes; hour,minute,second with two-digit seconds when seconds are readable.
11,02
